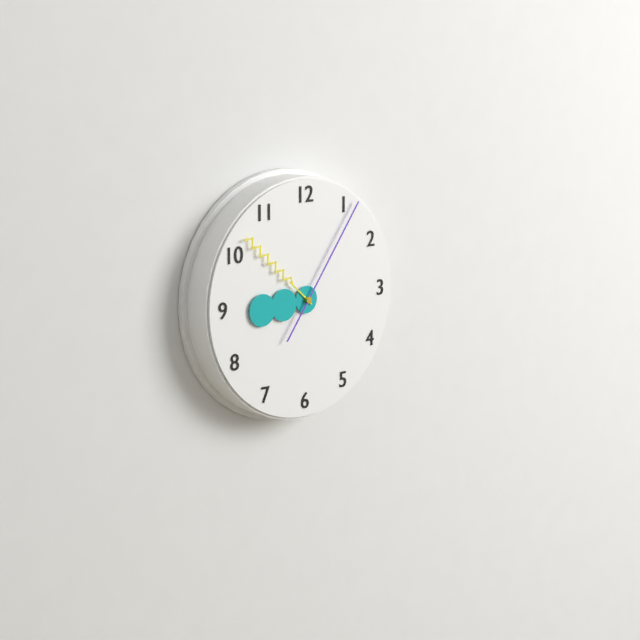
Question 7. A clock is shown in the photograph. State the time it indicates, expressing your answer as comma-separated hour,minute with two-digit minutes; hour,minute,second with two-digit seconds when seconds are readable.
8,52,06
